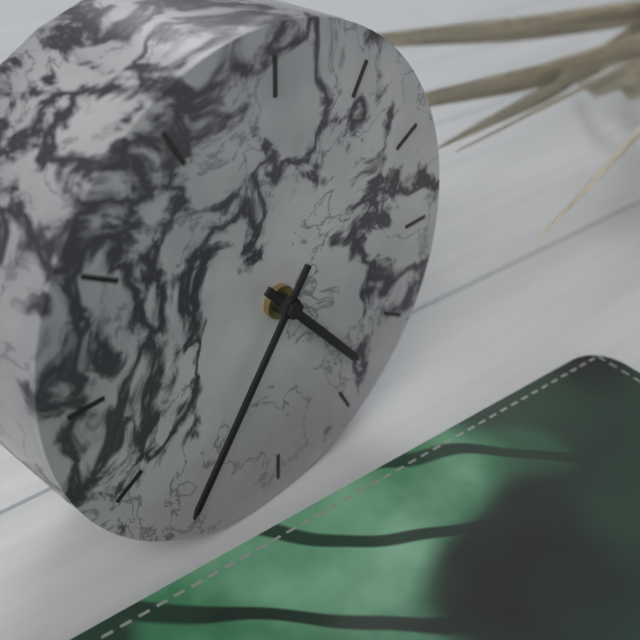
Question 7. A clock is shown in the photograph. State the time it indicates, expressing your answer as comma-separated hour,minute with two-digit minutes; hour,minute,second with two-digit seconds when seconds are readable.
4,36
